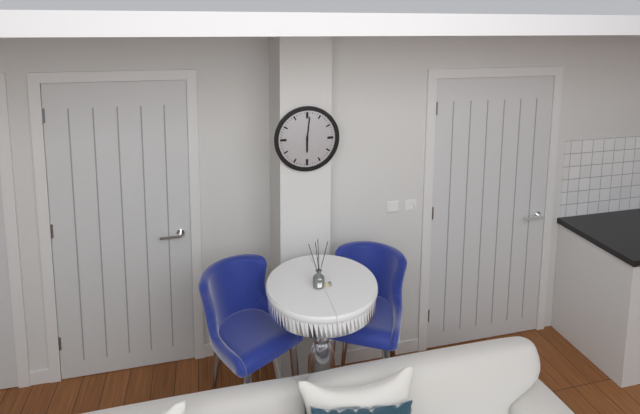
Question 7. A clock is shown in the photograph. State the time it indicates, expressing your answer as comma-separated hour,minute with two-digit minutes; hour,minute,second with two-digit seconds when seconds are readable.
6,01
